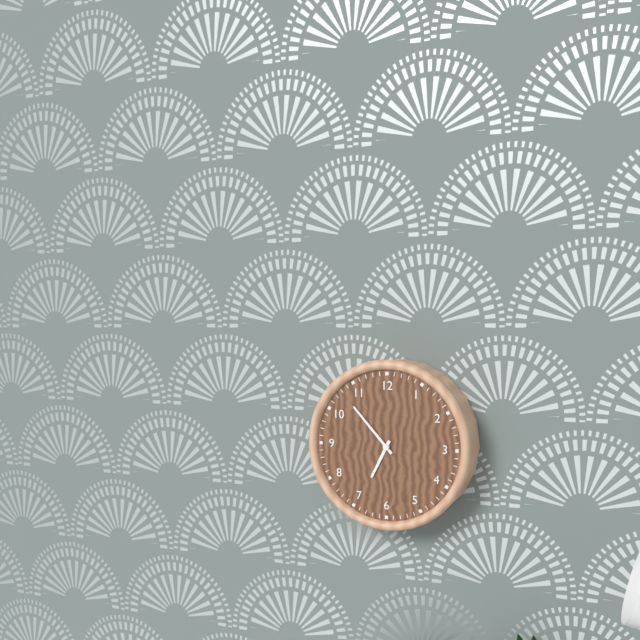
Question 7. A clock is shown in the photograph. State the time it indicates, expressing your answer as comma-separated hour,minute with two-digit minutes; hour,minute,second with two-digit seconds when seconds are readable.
6,53
